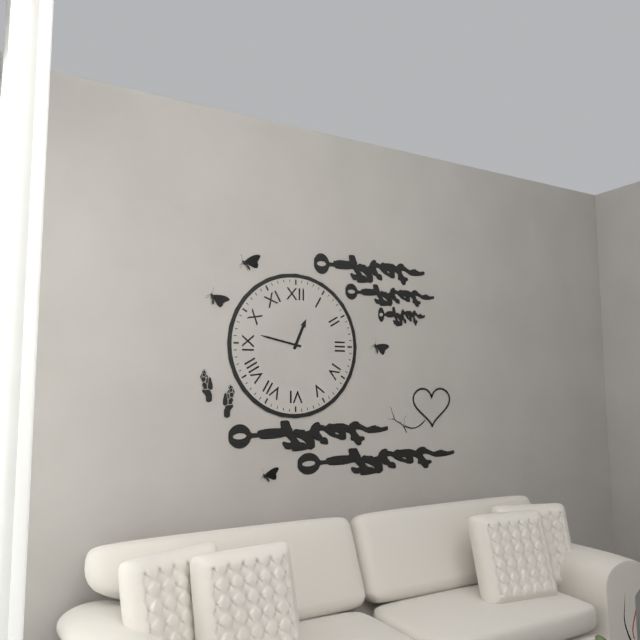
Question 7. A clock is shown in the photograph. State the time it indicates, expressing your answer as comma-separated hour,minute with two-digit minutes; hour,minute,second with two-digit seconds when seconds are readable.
12,47
